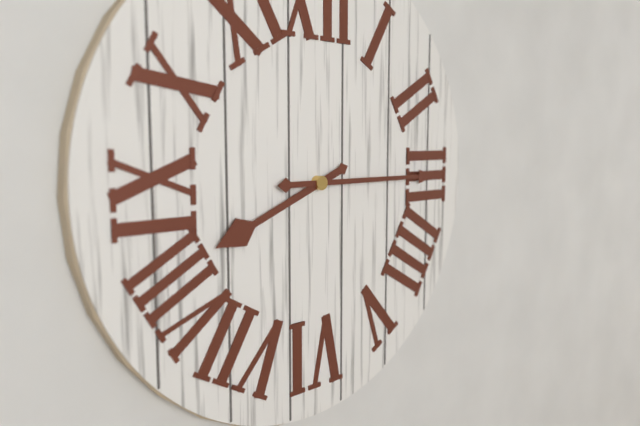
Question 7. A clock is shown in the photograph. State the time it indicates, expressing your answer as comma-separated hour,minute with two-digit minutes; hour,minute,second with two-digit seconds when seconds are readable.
8,15
